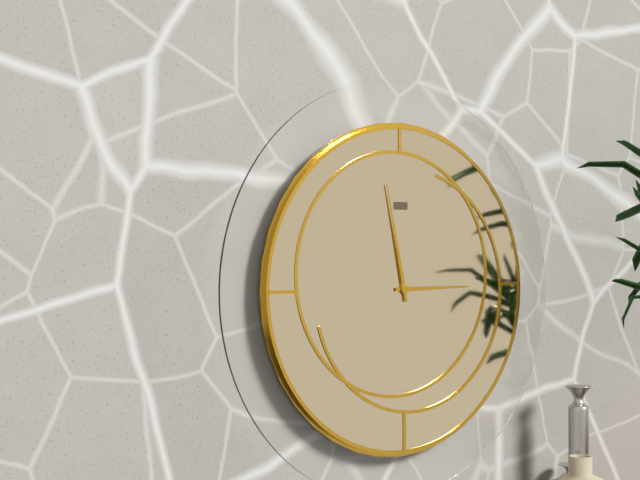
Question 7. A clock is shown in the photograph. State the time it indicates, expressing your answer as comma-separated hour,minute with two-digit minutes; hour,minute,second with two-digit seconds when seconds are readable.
2,58
